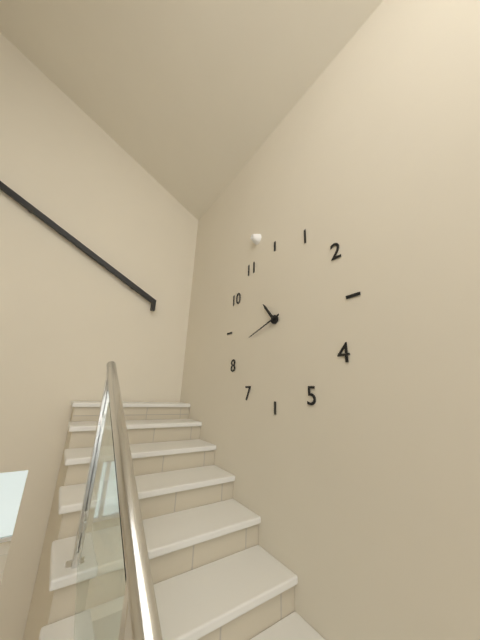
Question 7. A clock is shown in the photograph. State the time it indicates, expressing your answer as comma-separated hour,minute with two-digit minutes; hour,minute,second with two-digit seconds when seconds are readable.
10,42
